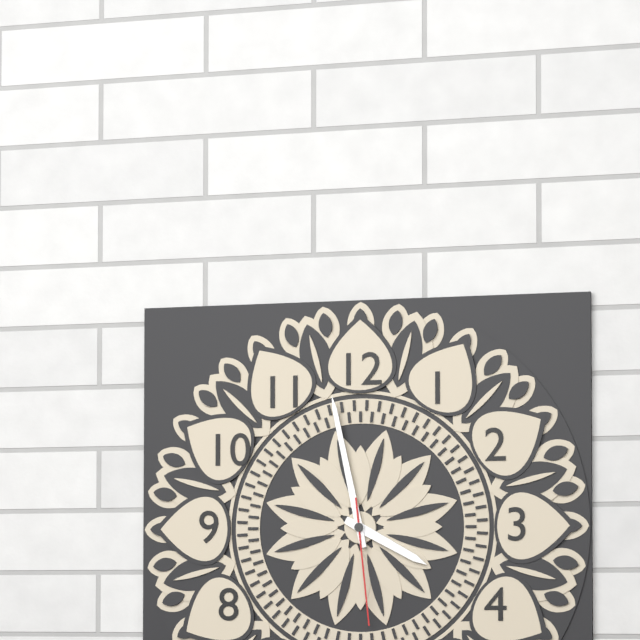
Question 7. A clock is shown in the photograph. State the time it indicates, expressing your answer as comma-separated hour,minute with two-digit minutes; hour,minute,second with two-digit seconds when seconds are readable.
3,58,29
